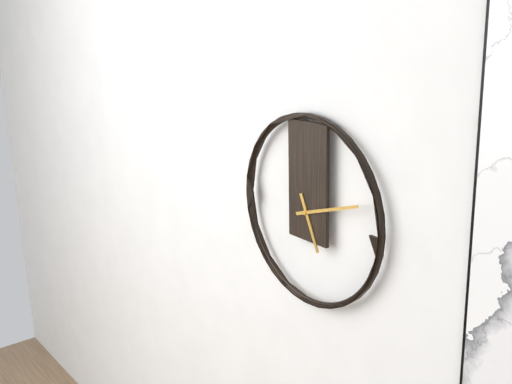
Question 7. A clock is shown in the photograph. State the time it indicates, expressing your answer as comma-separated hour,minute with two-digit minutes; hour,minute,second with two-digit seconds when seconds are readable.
5,12
